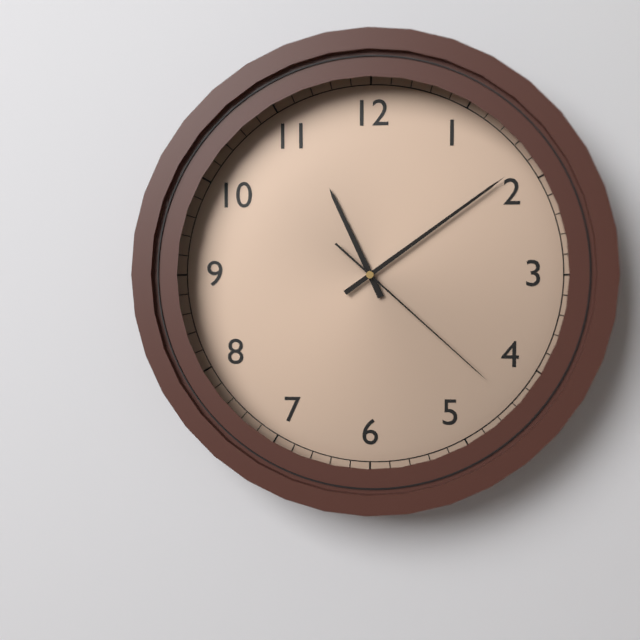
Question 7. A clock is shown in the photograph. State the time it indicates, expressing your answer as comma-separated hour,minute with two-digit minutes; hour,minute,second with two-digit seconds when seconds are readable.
11,09,22
